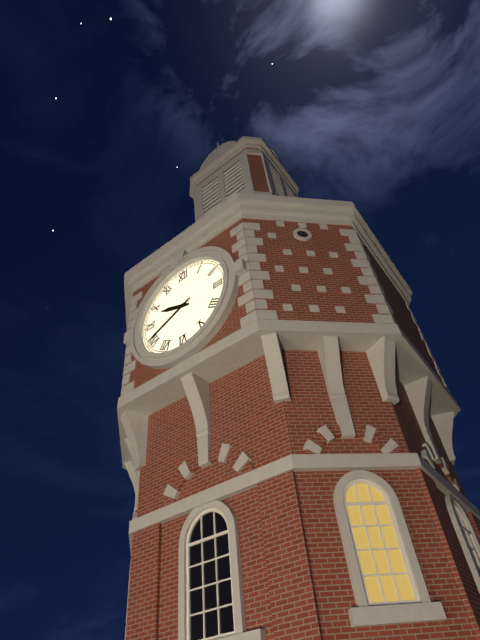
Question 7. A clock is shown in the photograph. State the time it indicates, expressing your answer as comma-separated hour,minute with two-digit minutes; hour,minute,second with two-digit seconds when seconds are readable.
9,41
